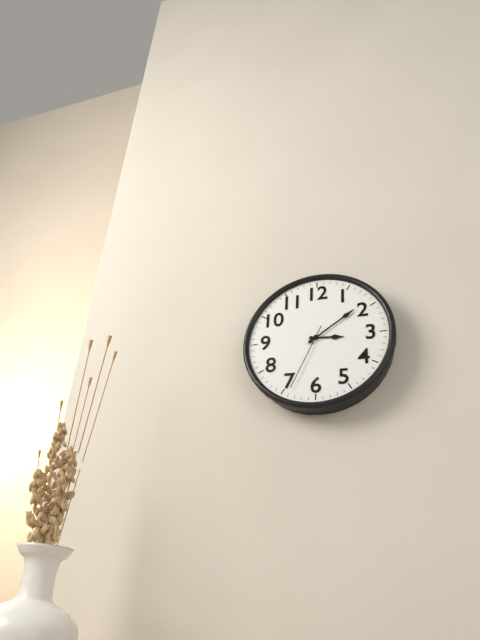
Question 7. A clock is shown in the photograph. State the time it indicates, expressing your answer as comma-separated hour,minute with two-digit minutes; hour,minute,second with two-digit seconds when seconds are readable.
3,09,34
